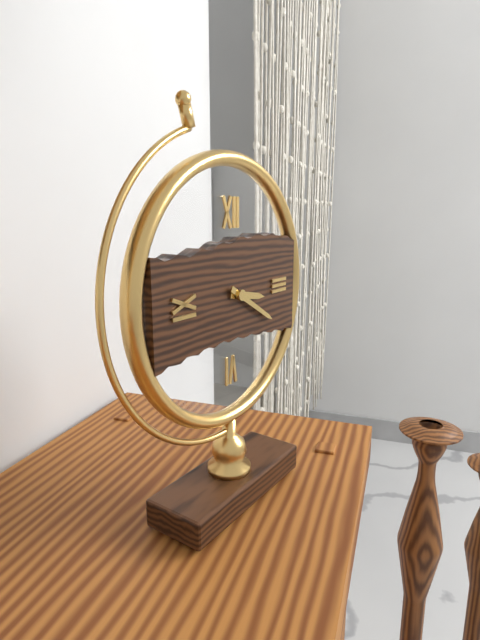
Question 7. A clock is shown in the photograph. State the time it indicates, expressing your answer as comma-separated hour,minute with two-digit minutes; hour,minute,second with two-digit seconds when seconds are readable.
3,20
